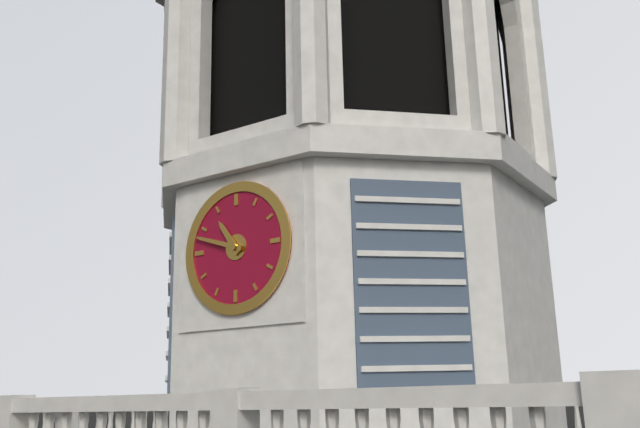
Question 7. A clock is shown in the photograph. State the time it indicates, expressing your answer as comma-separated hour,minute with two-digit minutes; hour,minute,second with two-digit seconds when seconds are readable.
10,48
